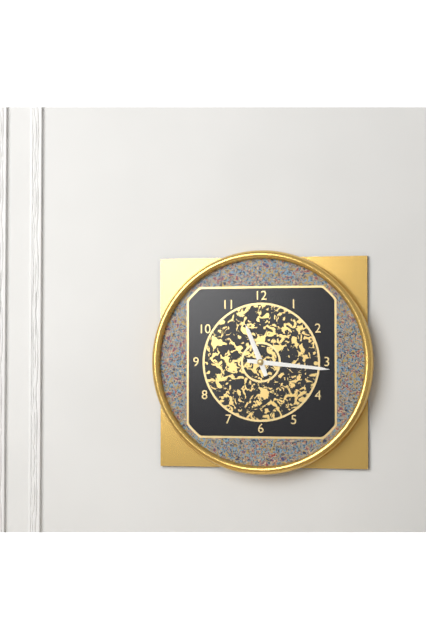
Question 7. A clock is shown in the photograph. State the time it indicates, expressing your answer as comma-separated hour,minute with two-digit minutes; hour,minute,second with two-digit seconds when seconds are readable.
11,16
